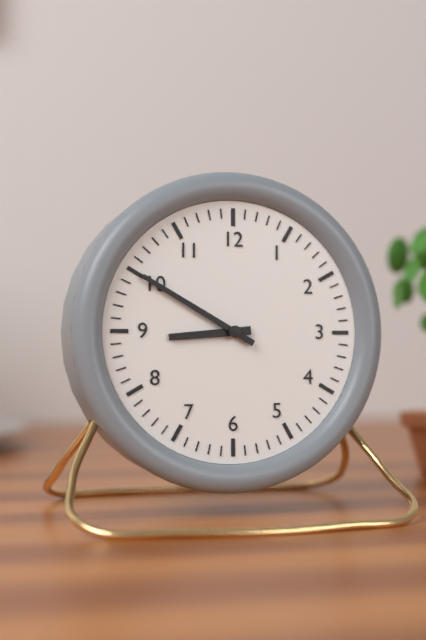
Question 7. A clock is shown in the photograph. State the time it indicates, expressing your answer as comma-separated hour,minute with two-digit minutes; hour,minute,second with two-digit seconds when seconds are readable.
8,50
